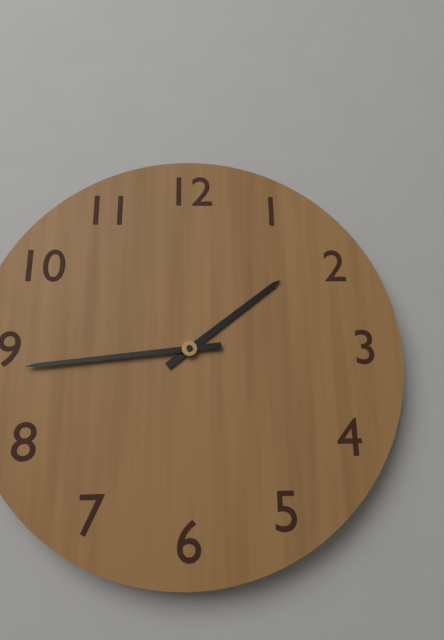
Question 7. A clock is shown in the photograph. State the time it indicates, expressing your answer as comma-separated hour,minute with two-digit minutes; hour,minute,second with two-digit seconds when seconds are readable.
1,44
